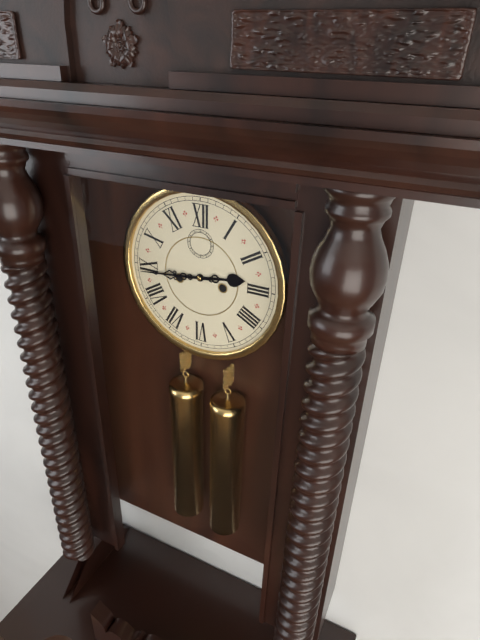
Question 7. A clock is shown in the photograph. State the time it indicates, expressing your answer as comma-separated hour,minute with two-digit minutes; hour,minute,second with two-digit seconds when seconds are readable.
2,44
